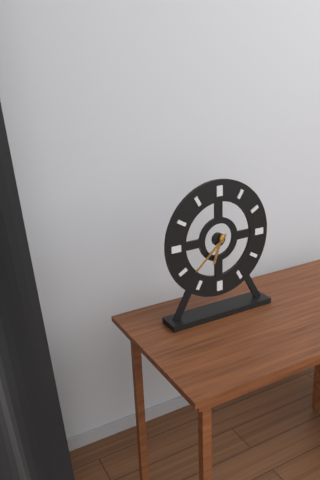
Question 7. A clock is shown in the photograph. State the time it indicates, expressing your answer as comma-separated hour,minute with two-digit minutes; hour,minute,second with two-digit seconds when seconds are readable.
6,38
